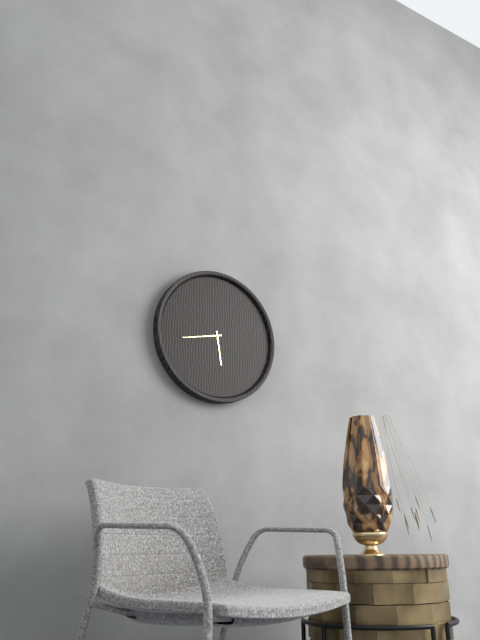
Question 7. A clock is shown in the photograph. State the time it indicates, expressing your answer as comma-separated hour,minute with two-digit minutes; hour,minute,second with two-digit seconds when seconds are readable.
5,43
